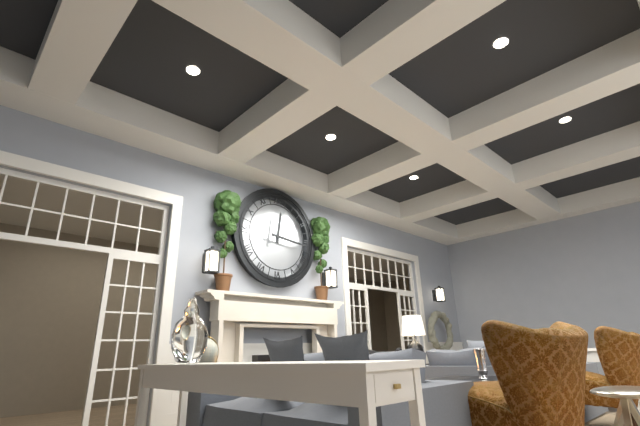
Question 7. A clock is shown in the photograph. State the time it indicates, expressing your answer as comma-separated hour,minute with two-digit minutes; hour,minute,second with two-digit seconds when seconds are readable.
12,16
